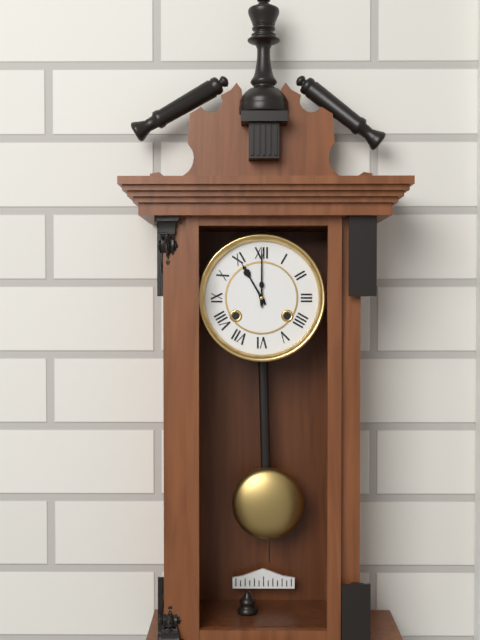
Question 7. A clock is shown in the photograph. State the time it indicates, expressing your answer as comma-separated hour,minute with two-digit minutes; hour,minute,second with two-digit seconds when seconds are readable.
11,00
